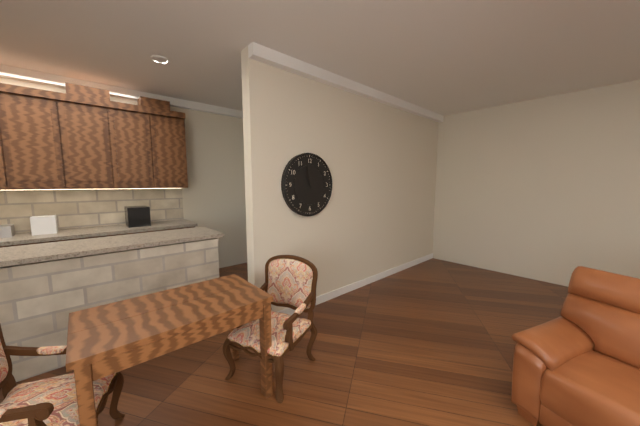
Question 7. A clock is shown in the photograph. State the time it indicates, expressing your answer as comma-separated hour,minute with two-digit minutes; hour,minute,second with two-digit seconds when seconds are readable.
10,58
